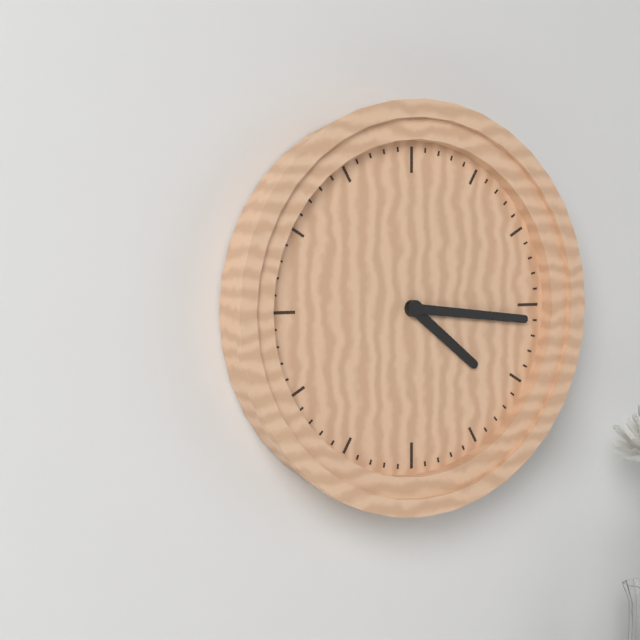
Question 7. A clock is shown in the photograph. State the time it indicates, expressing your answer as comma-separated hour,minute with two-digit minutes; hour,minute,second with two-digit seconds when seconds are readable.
4,16
